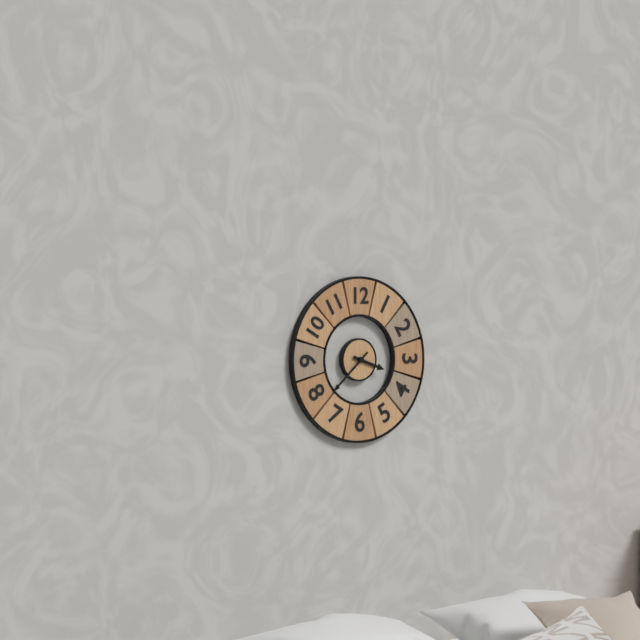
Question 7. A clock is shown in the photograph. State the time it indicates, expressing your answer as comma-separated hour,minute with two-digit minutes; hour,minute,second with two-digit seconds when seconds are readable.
3,38
